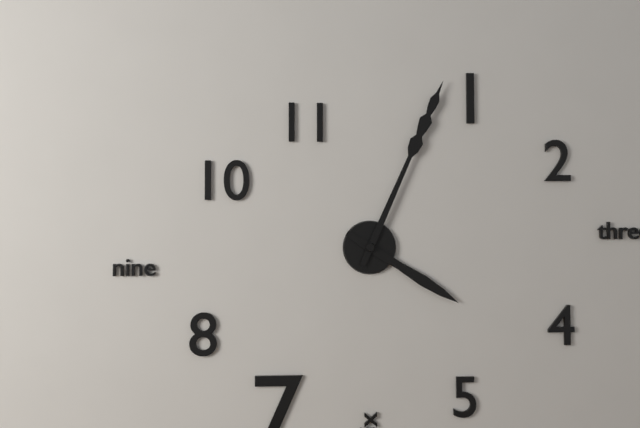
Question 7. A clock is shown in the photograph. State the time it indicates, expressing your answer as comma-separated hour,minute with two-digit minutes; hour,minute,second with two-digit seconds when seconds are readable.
4,04
